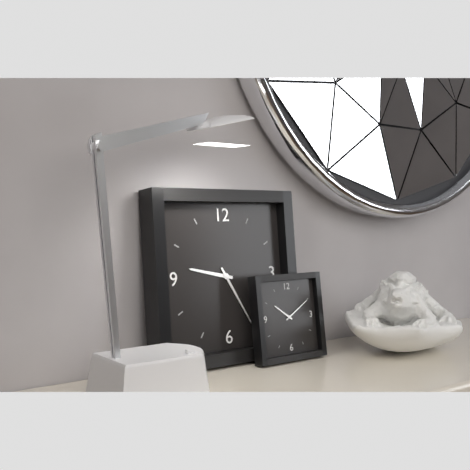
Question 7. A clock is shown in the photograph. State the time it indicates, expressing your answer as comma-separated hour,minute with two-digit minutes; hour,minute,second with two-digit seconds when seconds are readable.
9,25
